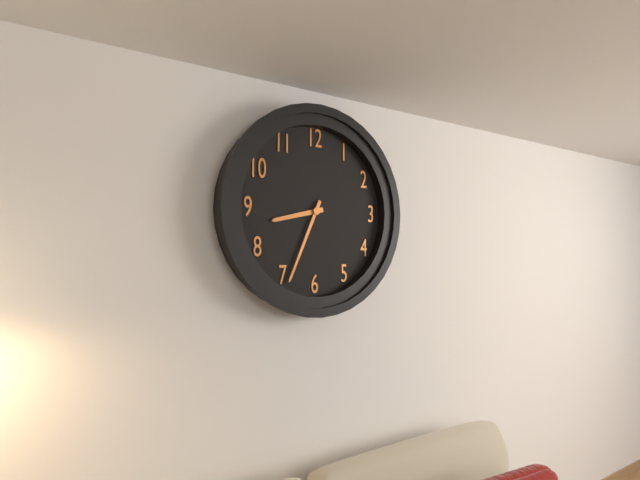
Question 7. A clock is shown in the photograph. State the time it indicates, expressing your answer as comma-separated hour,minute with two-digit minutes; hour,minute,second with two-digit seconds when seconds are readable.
8,34
